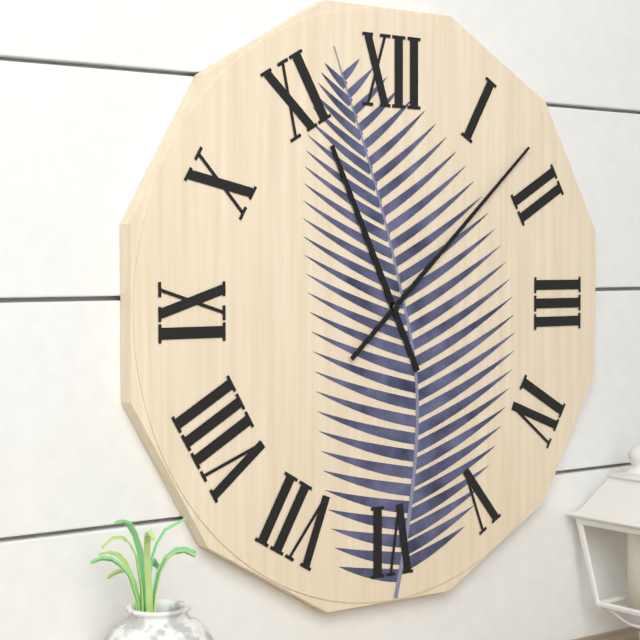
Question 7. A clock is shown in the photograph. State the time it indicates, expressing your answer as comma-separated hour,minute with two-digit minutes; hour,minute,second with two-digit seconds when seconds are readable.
11,08
